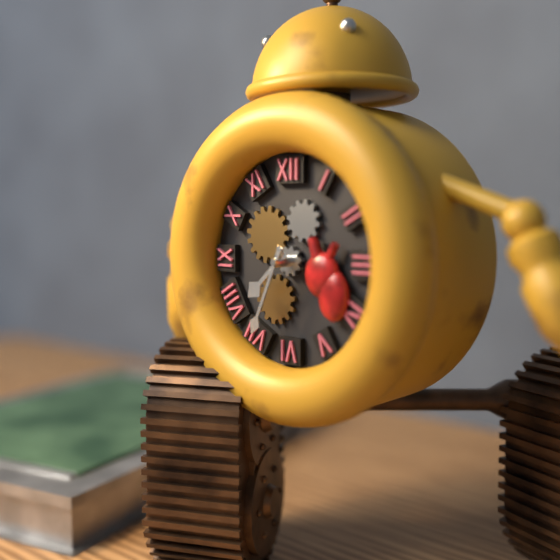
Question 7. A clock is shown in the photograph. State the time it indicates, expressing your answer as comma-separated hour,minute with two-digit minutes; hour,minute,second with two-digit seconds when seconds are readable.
7,34
